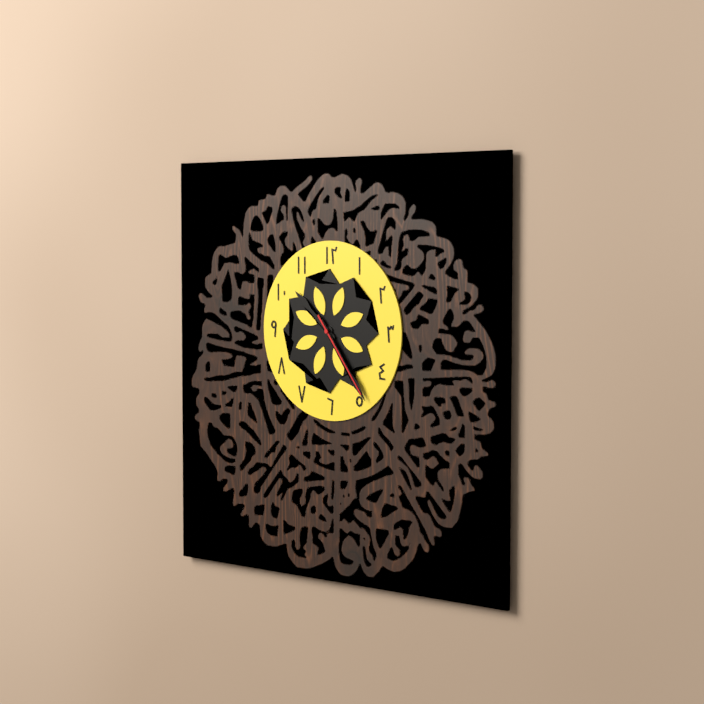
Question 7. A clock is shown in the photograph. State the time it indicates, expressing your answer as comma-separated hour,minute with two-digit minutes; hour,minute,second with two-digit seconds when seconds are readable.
10,24,24
